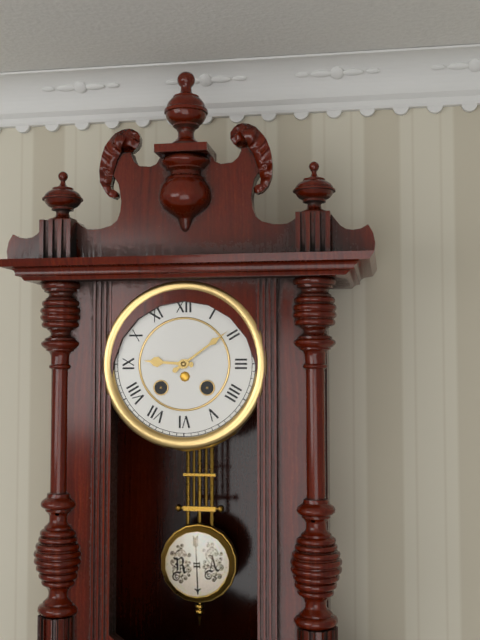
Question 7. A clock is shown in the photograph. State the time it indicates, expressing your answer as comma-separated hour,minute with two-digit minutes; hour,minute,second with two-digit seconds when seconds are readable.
9,09
